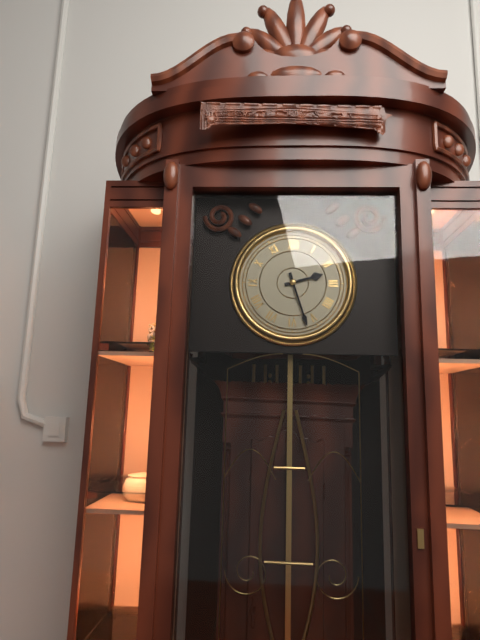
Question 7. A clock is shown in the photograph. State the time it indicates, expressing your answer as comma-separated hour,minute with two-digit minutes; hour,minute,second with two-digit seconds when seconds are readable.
2,27
